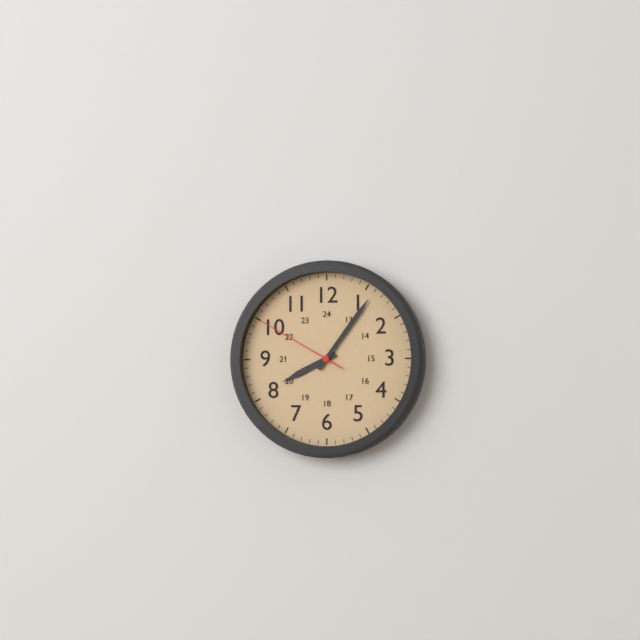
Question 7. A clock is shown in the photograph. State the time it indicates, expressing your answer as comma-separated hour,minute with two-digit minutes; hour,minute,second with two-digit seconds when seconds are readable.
8,06,50
